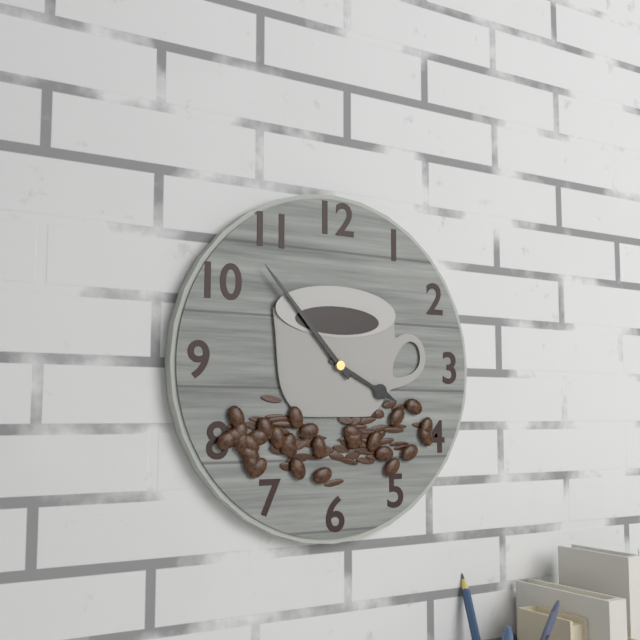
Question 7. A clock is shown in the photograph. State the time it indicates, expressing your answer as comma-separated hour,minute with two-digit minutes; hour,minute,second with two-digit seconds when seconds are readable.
3,53
